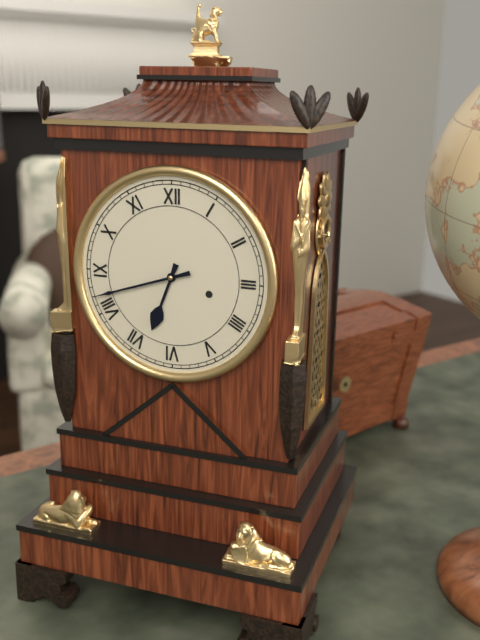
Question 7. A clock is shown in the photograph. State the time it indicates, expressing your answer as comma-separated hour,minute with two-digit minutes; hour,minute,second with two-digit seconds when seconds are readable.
6,42
